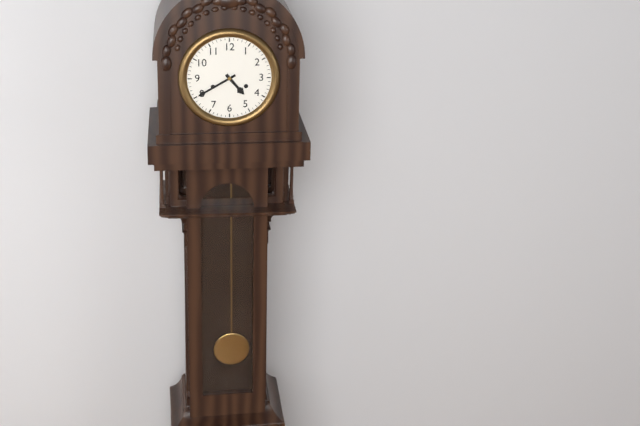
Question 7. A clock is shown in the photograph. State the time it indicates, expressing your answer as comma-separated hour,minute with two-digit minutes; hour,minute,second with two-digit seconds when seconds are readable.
4,40
